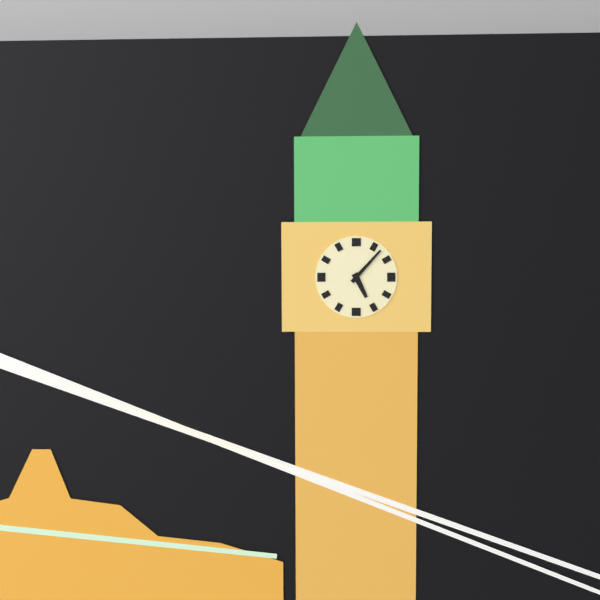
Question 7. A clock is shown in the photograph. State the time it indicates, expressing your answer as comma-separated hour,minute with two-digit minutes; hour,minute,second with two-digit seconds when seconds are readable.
5,07
